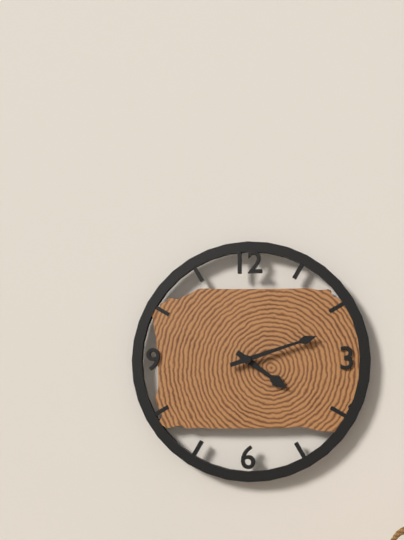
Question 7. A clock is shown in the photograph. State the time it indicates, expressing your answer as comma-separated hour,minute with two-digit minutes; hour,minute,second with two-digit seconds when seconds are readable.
4,12
